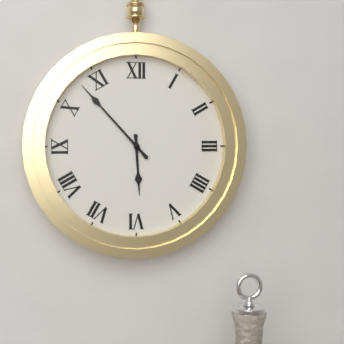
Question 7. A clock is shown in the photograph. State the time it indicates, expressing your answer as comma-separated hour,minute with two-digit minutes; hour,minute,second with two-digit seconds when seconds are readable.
5,53
